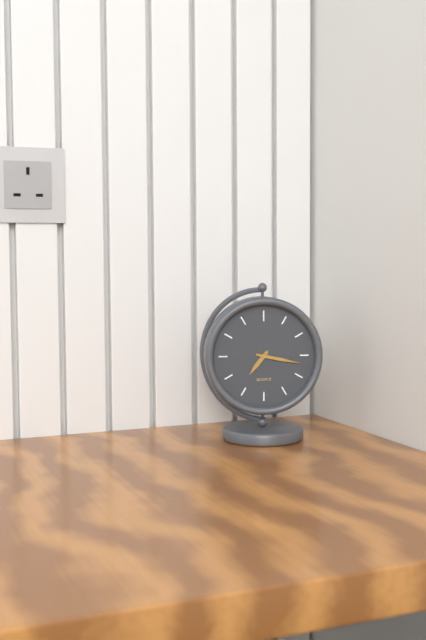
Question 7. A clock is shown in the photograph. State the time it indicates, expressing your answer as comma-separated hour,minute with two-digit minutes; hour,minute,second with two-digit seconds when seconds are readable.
7,17
